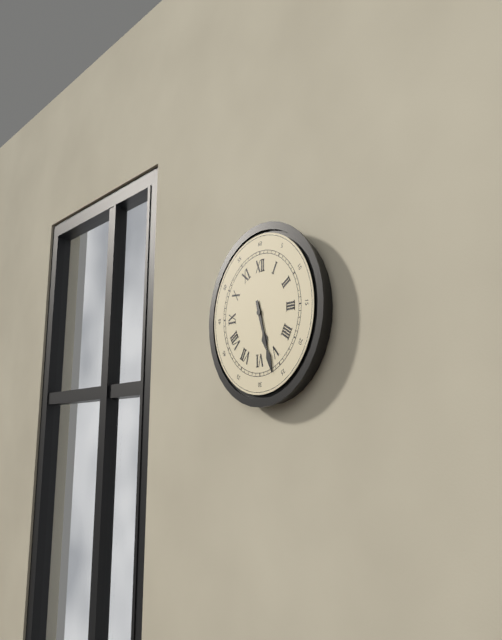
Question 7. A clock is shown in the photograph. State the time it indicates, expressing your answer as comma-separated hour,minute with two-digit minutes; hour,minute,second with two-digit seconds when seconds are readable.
5,27
